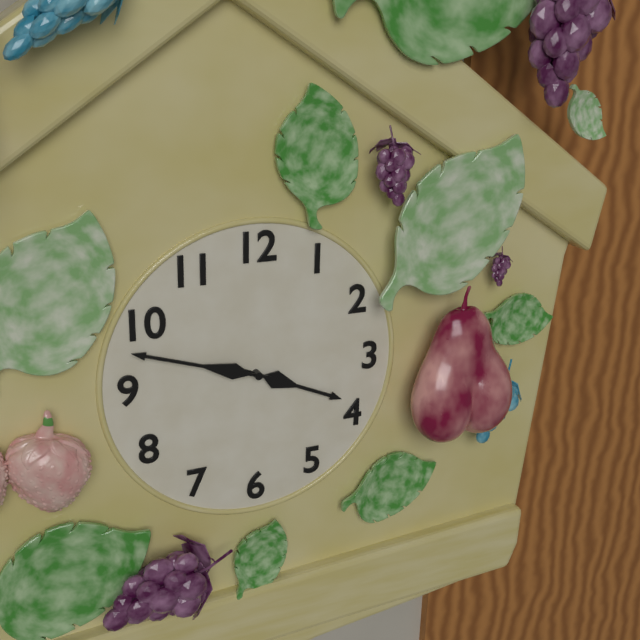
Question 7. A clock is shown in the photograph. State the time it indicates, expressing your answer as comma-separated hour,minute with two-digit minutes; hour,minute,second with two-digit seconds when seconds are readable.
3,48
